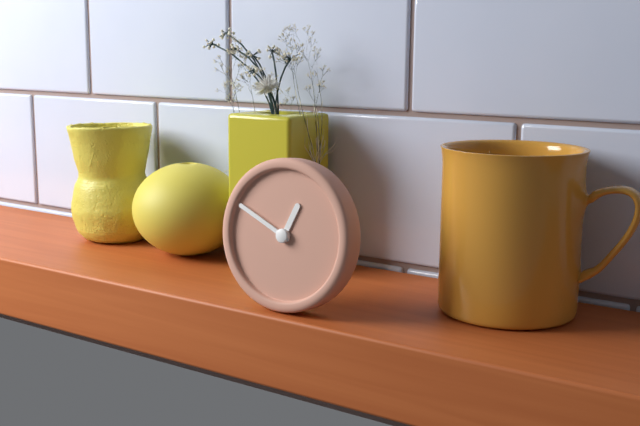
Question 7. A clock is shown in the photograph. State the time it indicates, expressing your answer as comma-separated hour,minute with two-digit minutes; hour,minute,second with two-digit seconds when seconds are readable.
12,49
